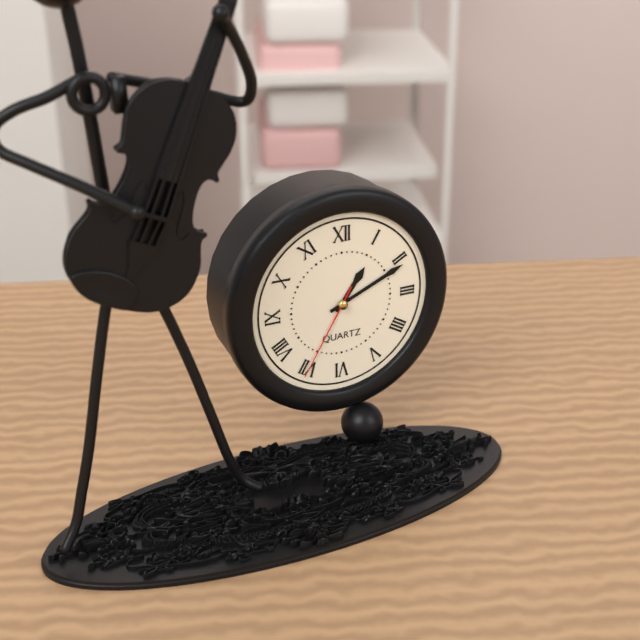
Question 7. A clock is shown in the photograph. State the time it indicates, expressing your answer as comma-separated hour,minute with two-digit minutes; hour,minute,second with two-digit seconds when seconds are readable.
1,11,35
